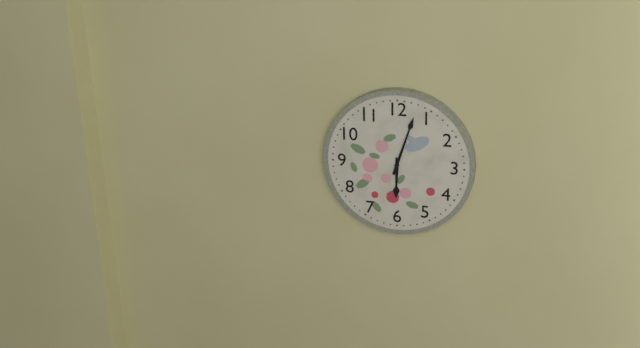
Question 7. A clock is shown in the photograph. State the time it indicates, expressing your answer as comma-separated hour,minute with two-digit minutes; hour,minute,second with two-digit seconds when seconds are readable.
6,03
